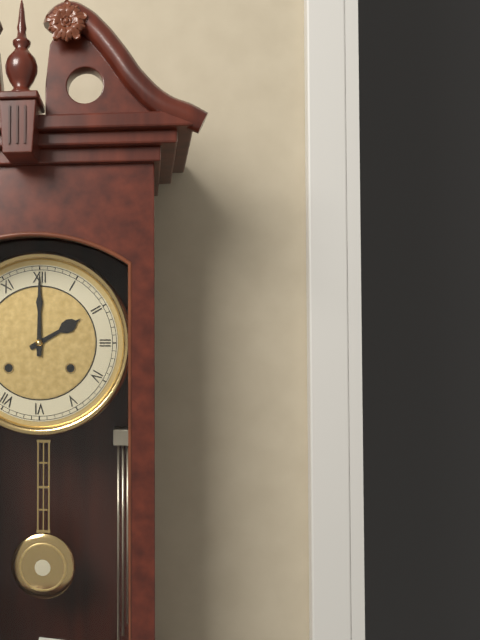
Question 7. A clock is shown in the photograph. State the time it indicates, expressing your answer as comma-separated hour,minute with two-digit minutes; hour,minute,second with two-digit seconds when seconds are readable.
2,00
